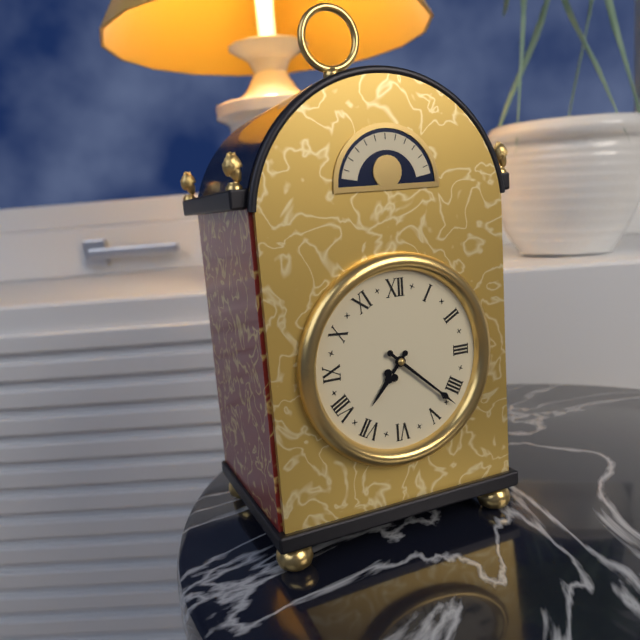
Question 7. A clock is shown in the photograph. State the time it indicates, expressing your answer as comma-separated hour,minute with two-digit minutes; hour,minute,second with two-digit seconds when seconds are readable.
7,22
